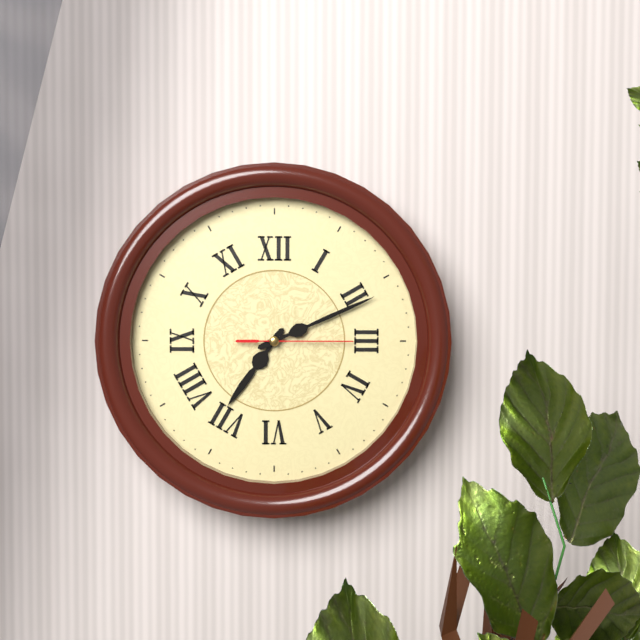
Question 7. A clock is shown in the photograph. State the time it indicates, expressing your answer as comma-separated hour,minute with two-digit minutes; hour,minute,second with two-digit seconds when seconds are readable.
7,11,15
